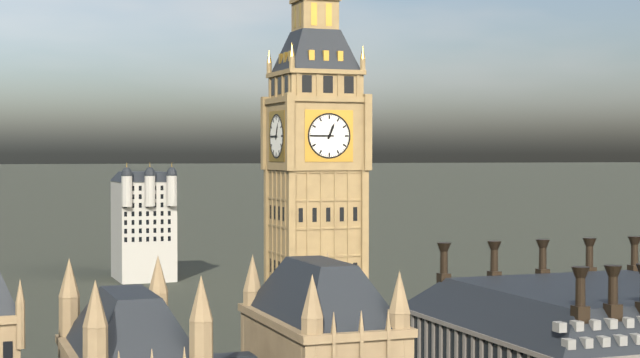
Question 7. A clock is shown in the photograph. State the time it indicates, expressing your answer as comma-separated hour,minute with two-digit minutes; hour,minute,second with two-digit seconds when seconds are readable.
12,45
